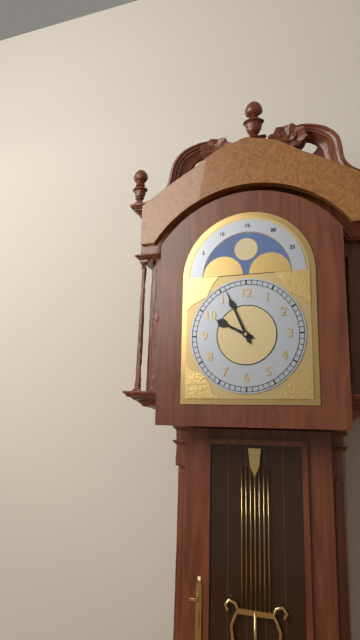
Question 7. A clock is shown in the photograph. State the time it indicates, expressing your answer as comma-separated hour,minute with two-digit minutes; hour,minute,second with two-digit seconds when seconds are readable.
9,56
